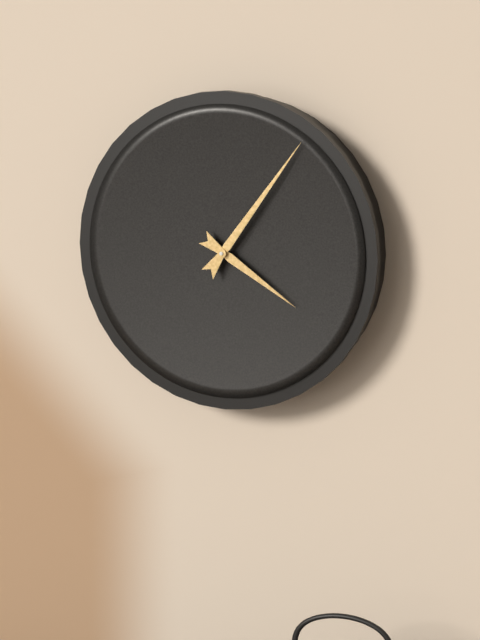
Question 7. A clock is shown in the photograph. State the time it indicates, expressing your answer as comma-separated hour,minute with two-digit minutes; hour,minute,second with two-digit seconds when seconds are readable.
4,06
